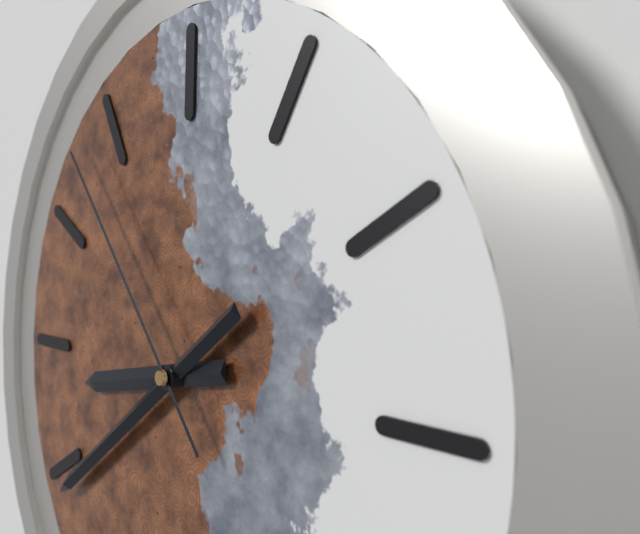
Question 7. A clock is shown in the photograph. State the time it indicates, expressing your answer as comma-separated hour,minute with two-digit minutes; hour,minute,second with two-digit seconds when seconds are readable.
8,39,53
